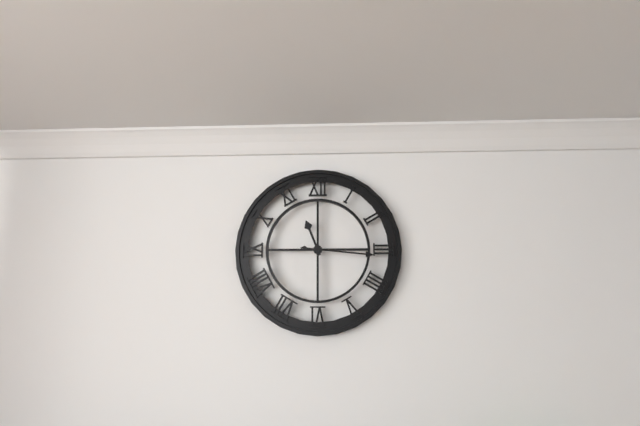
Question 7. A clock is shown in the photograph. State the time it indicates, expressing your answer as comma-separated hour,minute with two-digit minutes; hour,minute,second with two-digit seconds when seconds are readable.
11,16
